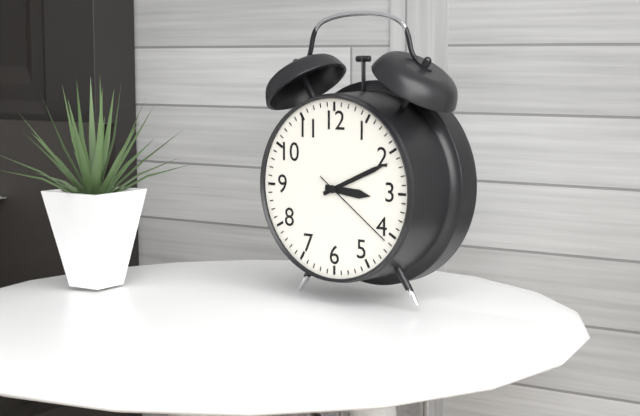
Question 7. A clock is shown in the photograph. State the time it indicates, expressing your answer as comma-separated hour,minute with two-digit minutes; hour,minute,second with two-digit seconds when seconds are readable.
3,11,21
